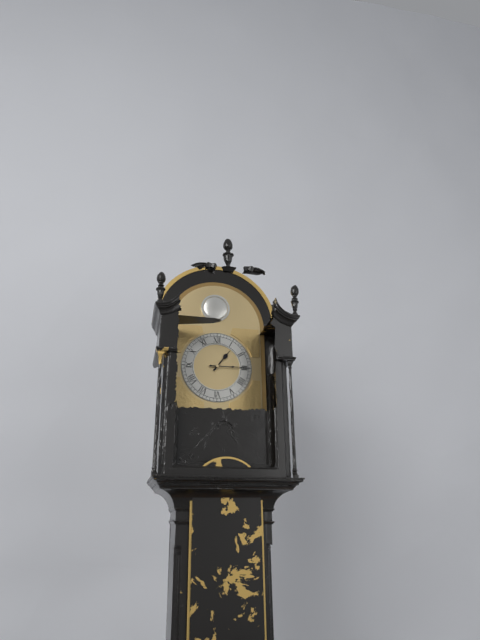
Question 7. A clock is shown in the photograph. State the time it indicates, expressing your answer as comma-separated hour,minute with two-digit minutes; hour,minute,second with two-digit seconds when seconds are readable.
1,15
